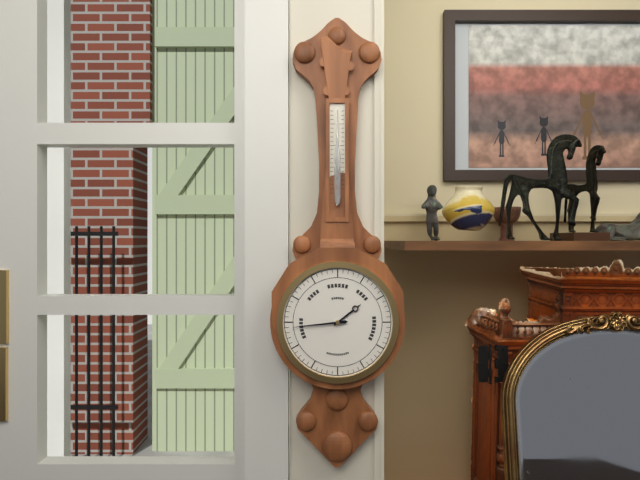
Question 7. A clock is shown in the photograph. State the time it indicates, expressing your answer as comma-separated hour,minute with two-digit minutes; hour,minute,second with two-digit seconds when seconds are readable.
1,44
